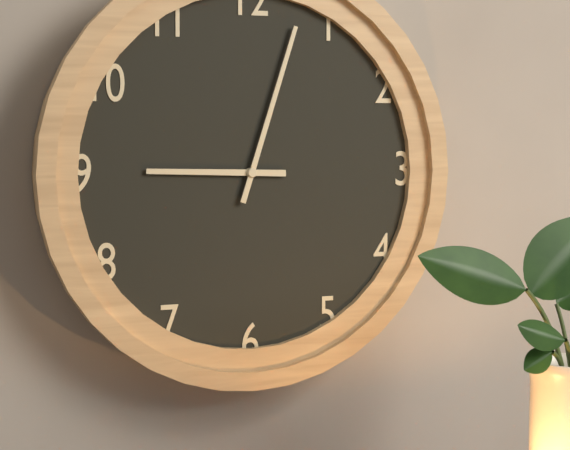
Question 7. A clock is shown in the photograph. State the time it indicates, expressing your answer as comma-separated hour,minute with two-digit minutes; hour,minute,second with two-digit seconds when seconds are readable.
9,03
